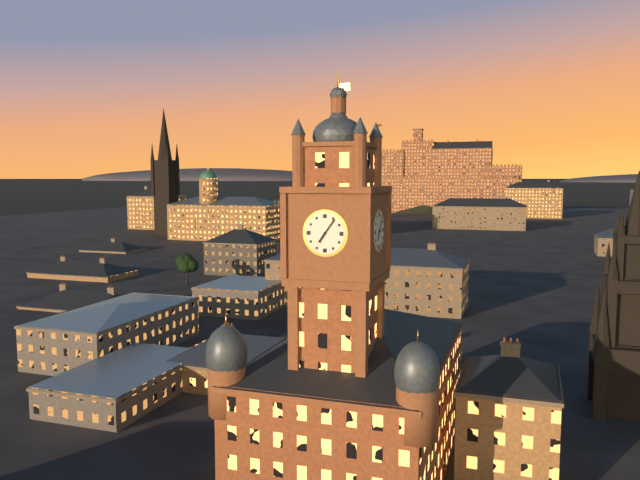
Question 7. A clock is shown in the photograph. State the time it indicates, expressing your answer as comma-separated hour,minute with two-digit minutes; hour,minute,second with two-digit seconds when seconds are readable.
7,06
